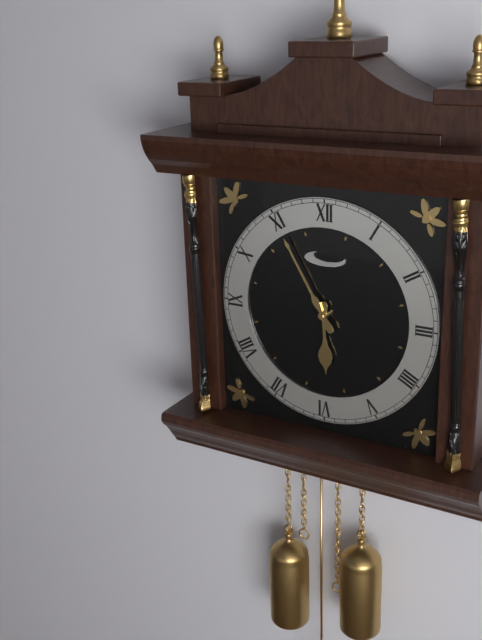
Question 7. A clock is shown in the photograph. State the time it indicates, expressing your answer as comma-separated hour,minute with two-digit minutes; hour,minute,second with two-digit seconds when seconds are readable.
5,55
